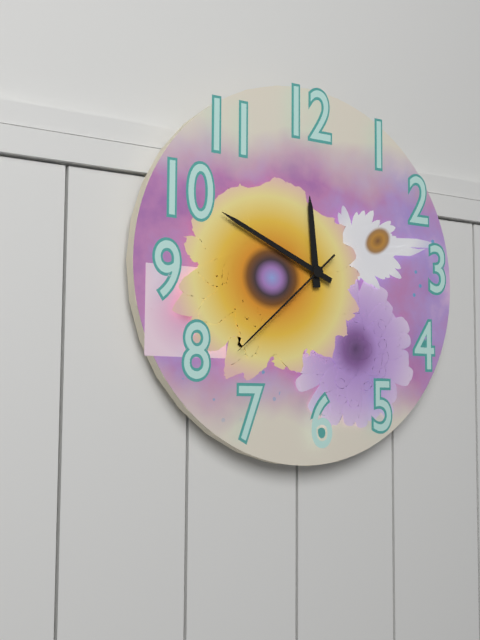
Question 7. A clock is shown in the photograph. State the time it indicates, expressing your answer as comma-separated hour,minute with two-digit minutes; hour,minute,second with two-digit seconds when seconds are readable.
11,49,38
